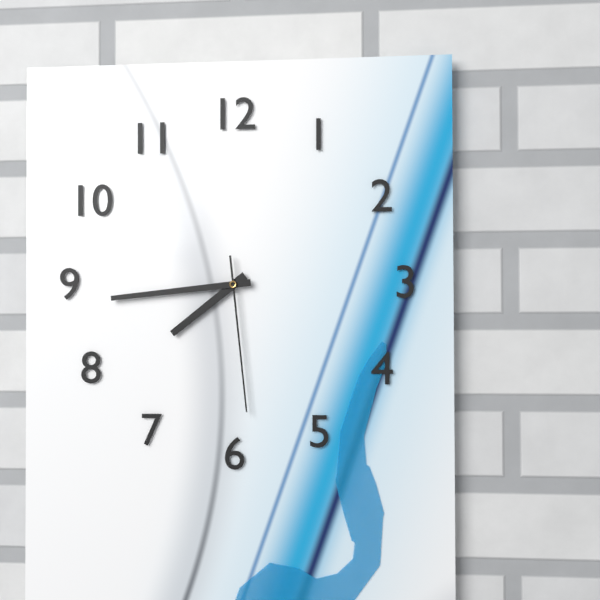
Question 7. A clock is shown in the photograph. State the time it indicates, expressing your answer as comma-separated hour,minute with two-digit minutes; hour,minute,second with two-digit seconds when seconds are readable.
7,44,29
